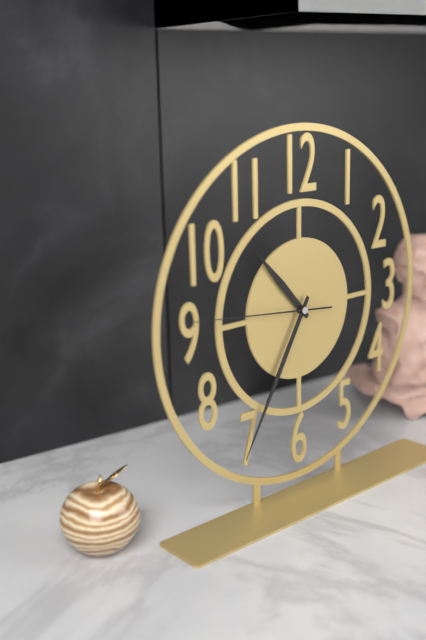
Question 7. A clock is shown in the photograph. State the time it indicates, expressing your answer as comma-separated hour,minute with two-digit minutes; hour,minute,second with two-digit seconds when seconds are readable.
10,35,46
